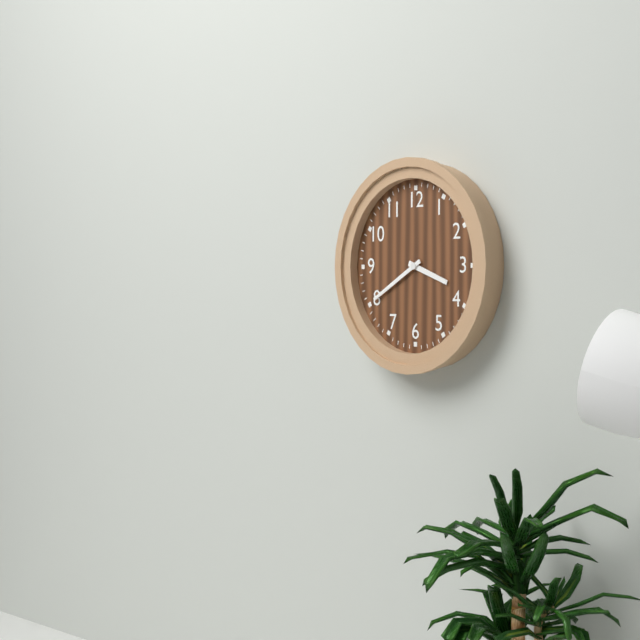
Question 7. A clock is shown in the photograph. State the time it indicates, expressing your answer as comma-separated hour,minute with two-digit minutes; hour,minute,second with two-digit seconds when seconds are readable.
3,40
